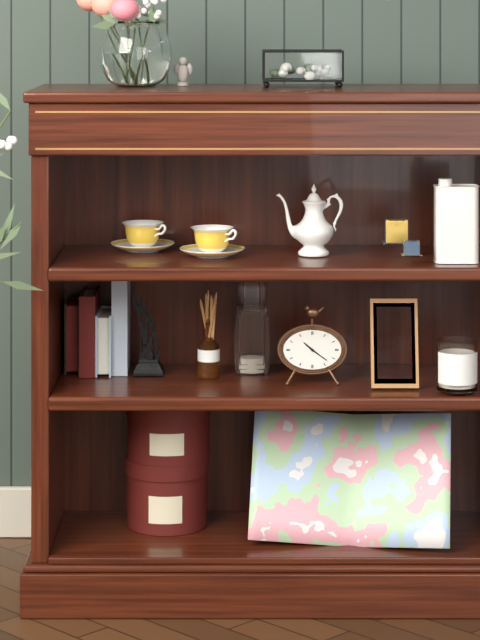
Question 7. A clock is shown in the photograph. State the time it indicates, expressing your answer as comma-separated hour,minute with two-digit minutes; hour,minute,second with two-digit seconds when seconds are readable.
10,21
